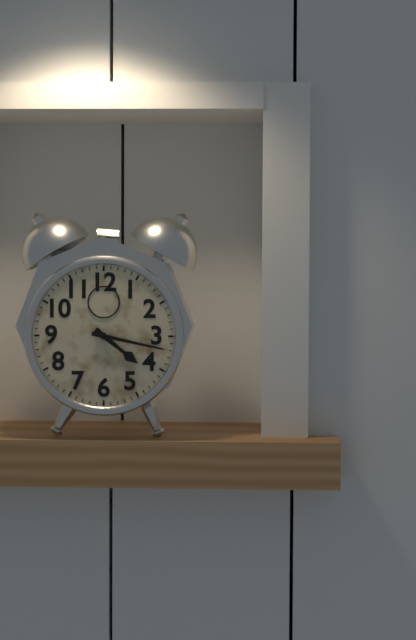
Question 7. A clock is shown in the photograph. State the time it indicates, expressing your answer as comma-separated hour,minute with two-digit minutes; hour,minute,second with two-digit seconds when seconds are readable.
4,17
